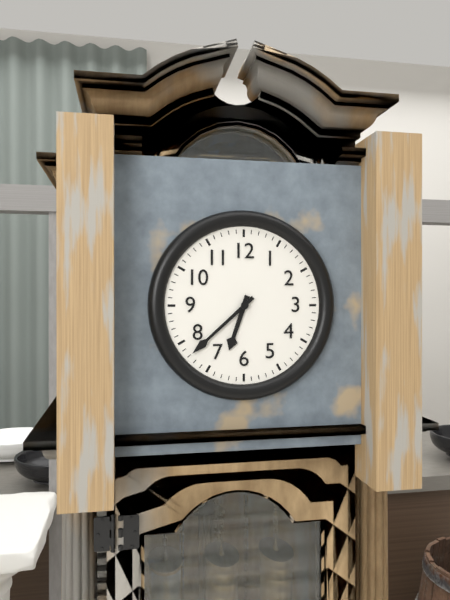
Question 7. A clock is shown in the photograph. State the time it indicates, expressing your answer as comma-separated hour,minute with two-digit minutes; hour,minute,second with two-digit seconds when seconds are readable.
6,38
